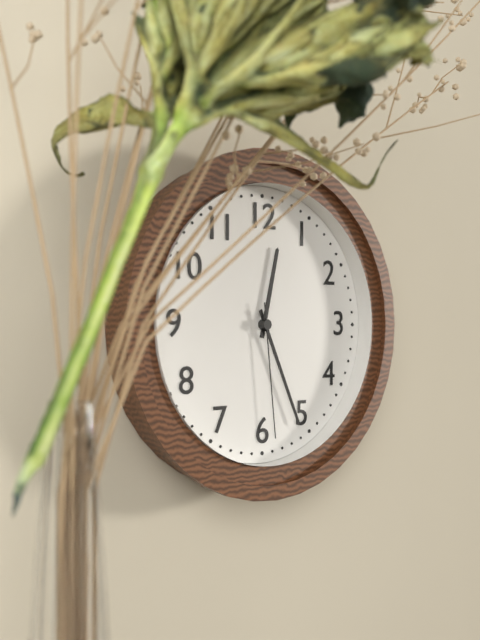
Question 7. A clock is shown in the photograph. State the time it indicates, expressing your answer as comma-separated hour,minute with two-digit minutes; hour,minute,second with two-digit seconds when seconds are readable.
12,26,29
